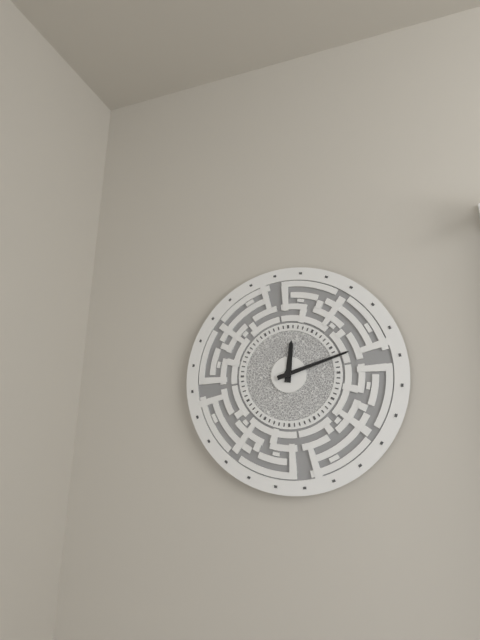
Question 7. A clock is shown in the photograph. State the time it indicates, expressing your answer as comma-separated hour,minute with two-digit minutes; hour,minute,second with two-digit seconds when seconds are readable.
12,12
